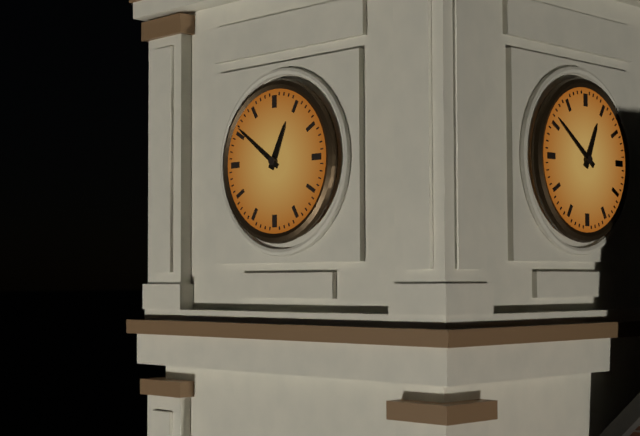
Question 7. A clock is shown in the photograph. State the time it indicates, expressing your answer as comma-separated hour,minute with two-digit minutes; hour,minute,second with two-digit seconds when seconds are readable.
12,51
